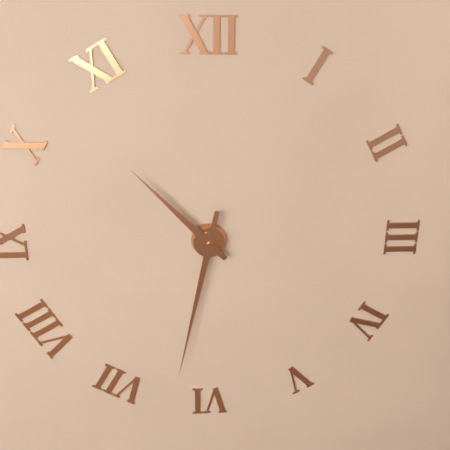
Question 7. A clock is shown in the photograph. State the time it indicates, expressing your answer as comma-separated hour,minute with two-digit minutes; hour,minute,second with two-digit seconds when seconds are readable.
10,32
